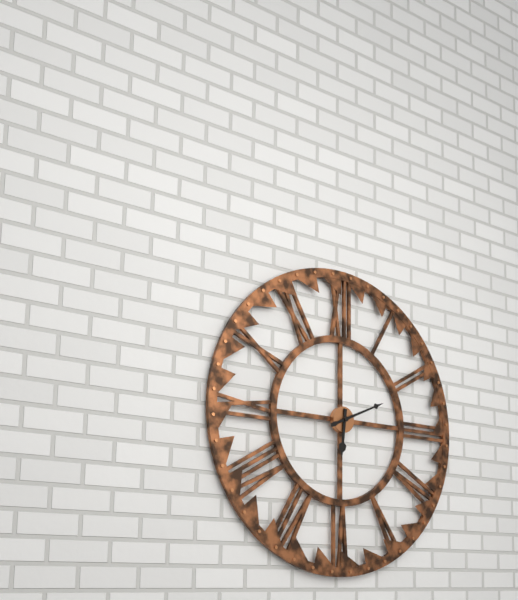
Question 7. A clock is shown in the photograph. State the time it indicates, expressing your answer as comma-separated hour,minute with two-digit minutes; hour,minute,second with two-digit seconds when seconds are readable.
6,11
